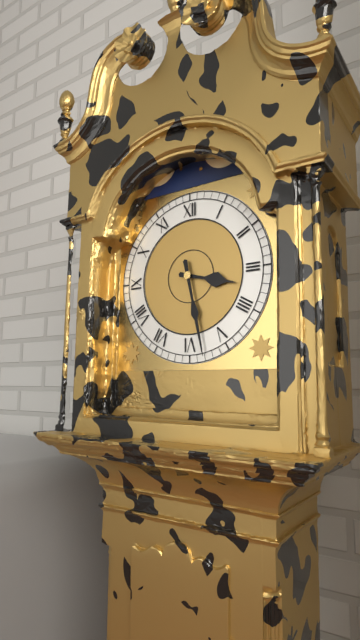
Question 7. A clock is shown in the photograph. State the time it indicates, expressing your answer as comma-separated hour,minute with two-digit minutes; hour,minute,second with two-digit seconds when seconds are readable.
3,28
